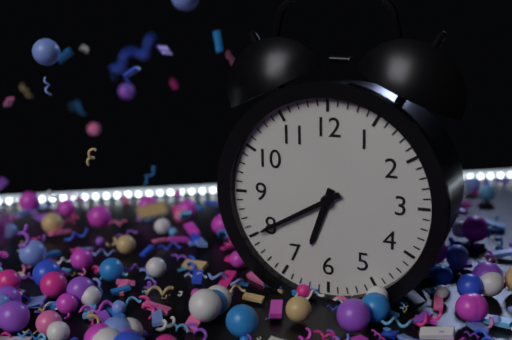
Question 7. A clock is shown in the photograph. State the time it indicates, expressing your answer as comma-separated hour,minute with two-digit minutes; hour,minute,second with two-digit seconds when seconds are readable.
6,40
